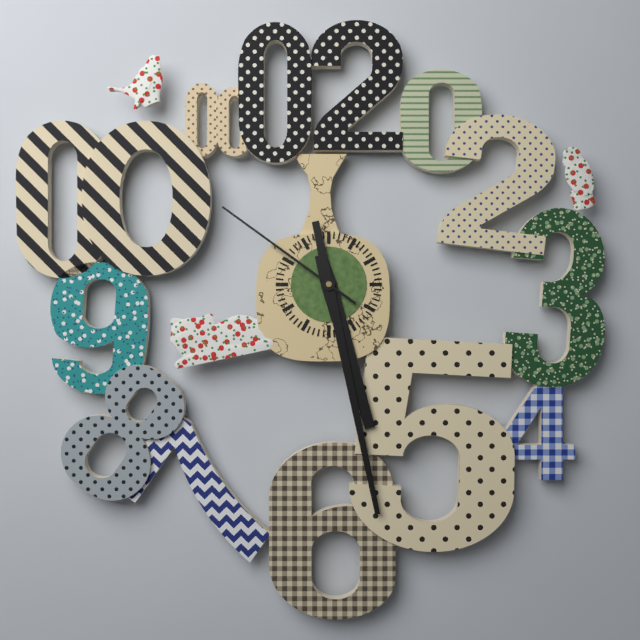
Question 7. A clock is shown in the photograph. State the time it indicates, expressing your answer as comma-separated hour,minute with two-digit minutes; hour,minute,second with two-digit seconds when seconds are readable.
5,28,51
